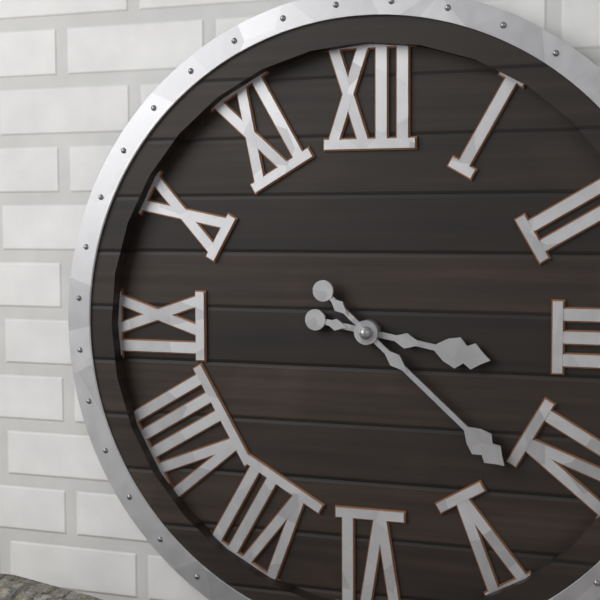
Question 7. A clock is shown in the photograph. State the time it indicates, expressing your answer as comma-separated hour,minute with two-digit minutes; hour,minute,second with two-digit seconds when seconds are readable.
3,22
